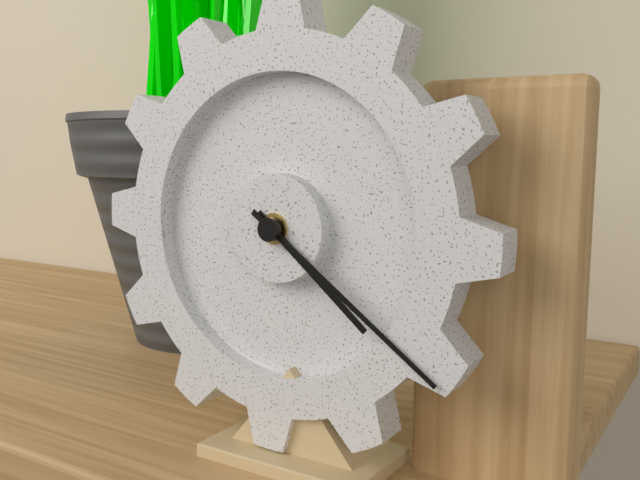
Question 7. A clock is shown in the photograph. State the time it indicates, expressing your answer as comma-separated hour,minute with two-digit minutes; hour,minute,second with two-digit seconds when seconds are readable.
4,21
